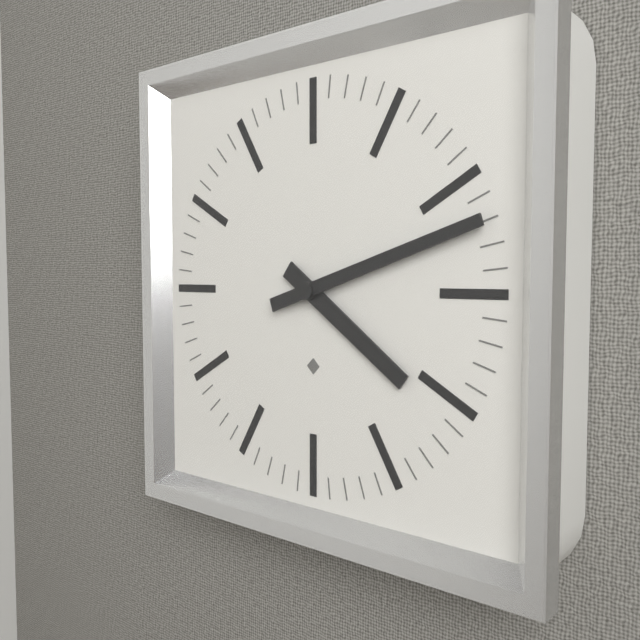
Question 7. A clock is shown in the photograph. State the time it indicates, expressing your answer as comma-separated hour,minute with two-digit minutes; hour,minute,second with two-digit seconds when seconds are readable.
4,12
